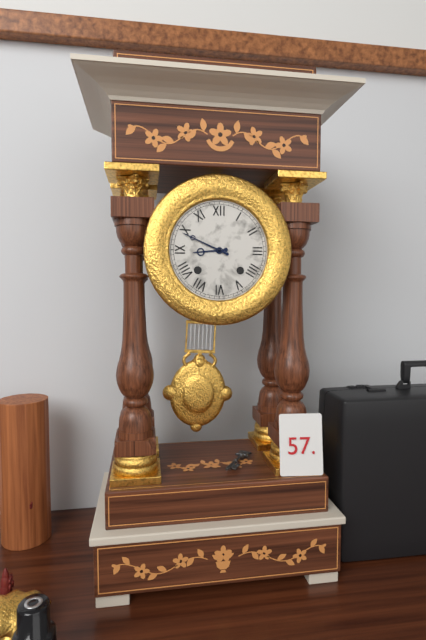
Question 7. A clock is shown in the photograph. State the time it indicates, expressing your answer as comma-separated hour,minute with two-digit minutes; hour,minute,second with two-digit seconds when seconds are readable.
8,49
